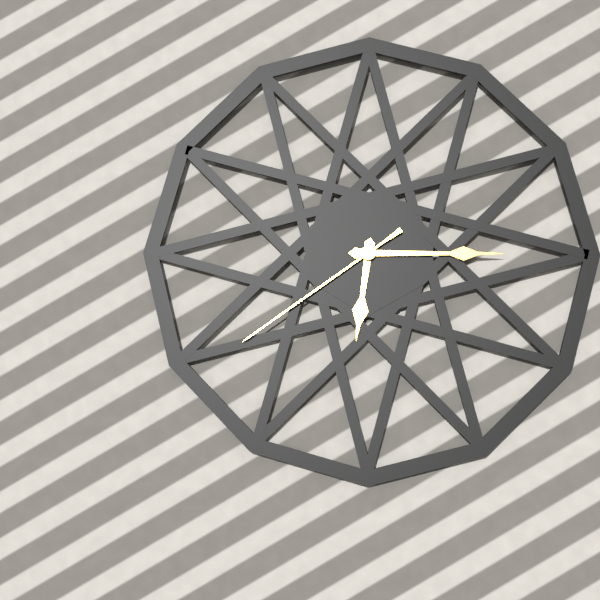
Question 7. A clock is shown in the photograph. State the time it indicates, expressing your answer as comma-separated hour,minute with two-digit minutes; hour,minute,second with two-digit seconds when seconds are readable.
6,15,39
